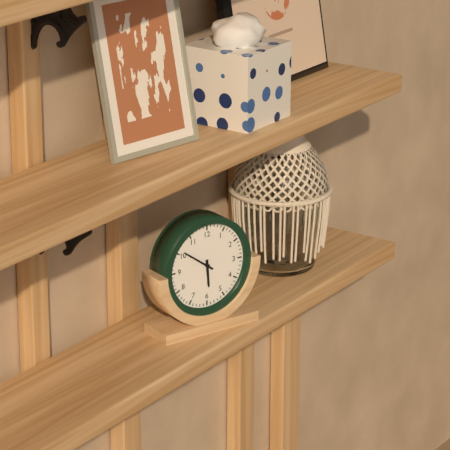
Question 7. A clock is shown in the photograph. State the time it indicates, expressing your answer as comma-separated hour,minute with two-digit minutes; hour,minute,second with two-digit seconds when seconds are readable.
5,51
